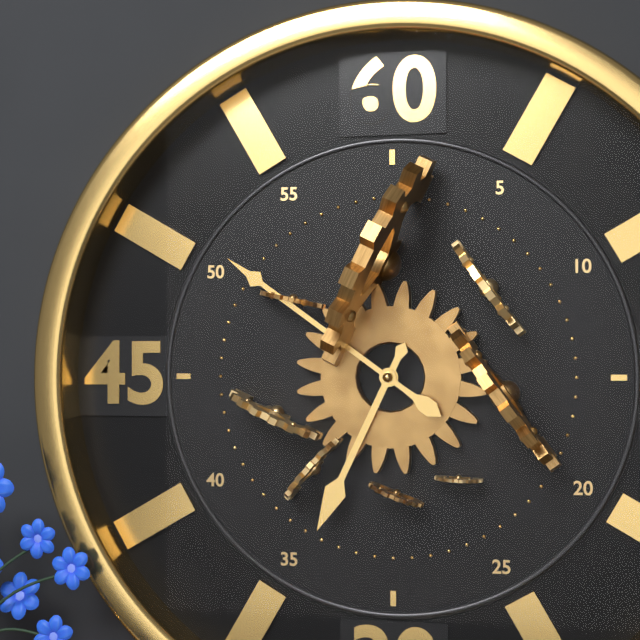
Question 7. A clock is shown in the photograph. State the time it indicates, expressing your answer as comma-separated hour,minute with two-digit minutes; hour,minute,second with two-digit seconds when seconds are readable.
6,51
